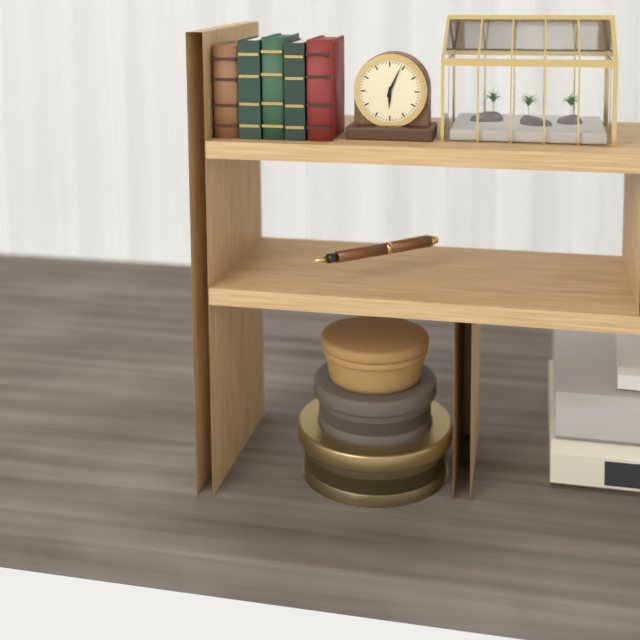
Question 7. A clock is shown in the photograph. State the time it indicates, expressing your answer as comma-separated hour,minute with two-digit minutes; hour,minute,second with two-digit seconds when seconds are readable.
6,04
